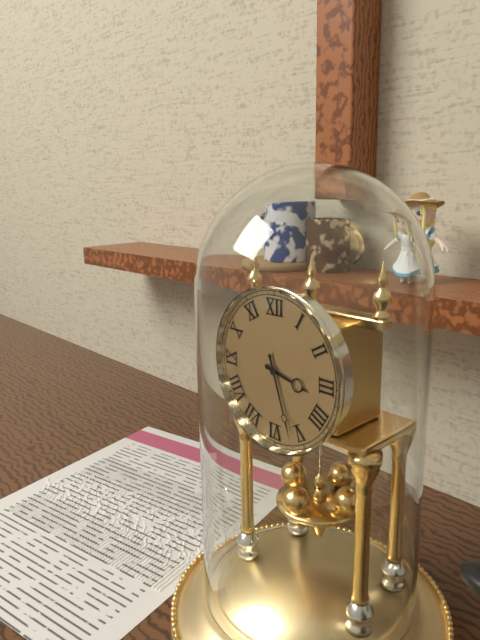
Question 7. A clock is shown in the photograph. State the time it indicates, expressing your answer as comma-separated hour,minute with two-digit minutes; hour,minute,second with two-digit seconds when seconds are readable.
3,27
